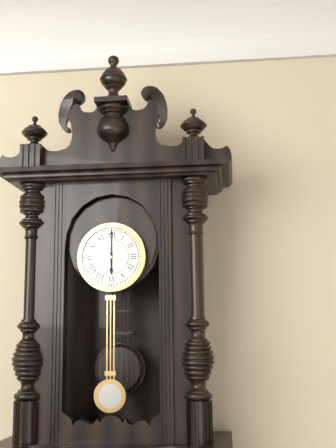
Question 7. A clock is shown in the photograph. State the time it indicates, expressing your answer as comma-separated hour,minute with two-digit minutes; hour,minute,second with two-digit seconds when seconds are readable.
6,00
